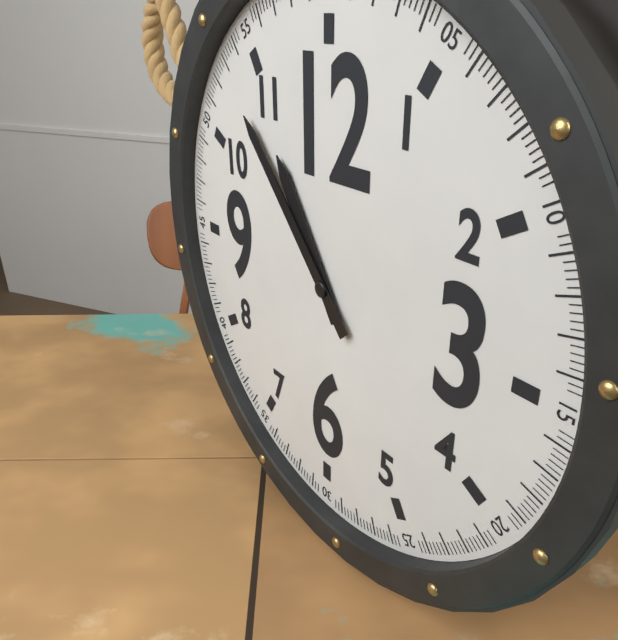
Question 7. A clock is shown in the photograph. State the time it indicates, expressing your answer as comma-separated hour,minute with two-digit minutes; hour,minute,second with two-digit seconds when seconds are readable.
10,53
